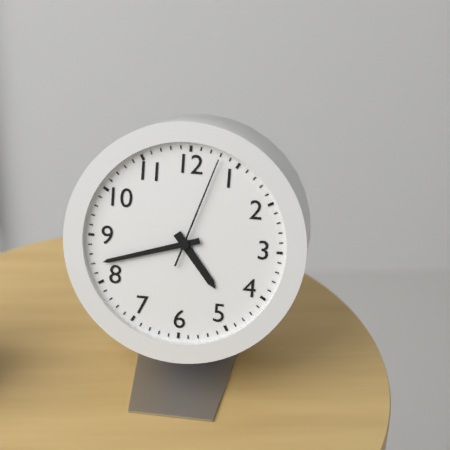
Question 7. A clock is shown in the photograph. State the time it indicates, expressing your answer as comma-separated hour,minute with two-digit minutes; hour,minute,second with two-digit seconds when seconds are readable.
4,42,03
